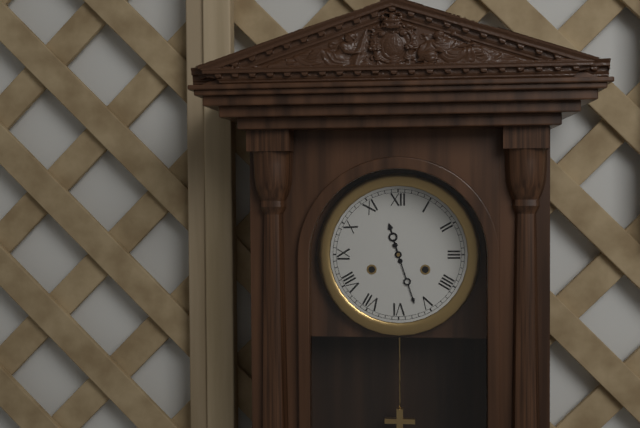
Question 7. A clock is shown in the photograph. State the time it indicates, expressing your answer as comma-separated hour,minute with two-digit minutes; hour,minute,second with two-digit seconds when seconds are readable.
11,27
